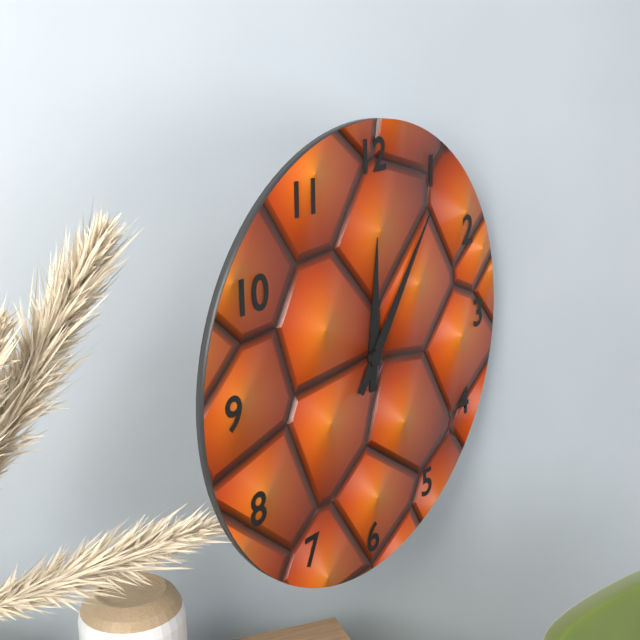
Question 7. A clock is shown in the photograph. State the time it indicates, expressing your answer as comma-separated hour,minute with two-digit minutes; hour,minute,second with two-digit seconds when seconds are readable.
12,06
